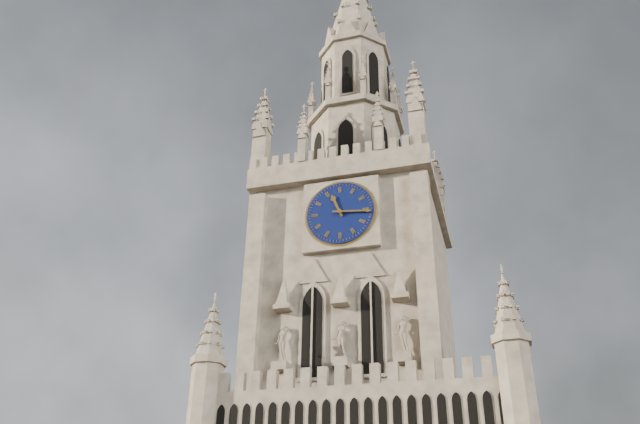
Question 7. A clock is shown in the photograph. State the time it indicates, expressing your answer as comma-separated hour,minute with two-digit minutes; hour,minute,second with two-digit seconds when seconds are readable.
11,16
